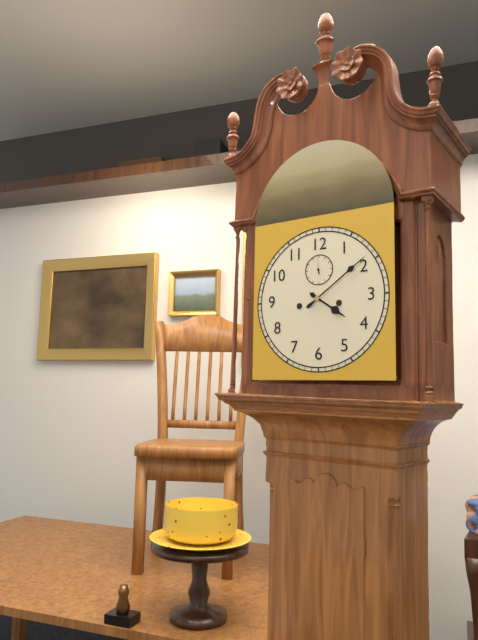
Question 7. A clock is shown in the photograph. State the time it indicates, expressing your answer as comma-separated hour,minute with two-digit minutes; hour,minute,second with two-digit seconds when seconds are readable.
4,09
